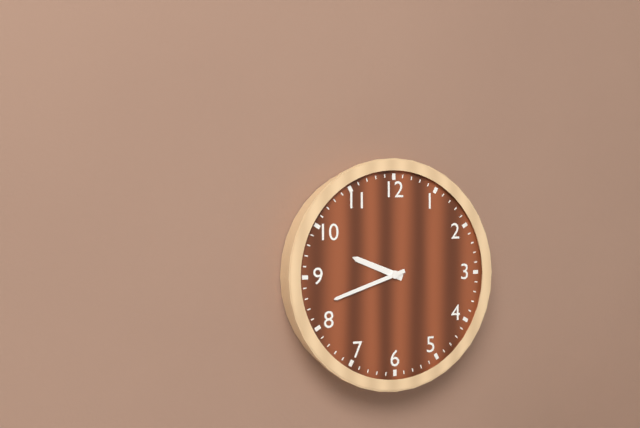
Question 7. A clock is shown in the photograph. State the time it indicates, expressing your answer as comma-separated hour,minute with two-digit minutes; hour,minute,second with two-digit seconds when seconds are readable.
9,42
